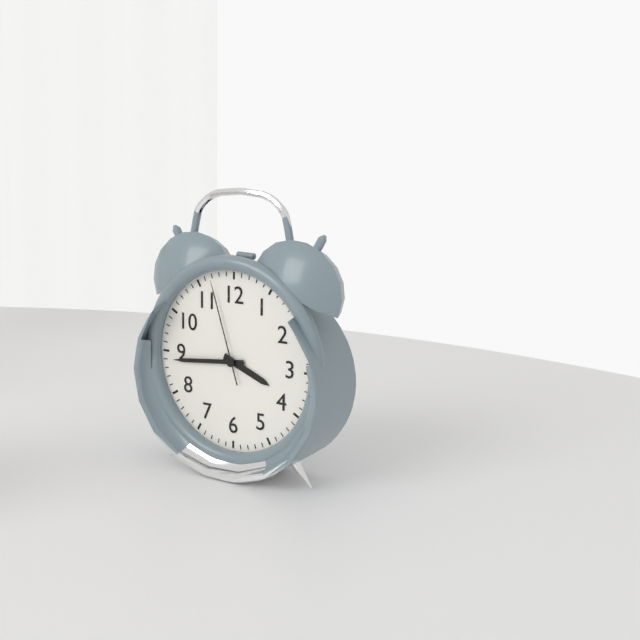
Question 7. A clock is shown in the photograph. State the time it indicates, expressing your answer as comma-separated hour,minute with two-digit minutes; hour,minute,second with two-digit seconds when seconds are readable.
3,44,57
